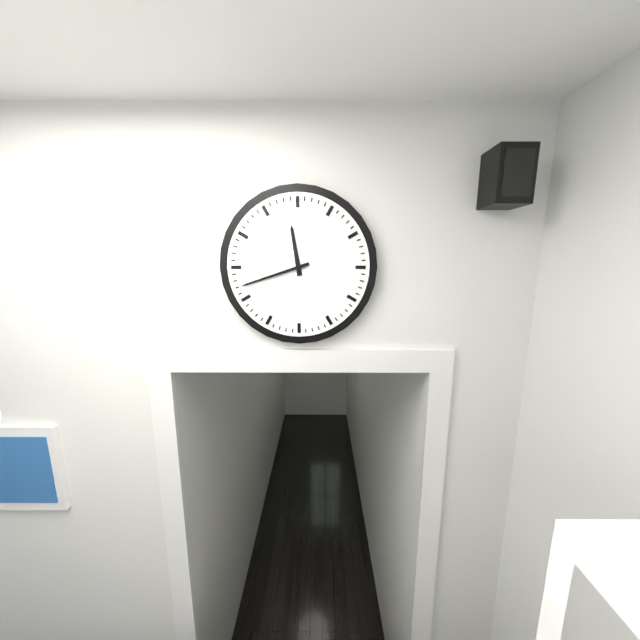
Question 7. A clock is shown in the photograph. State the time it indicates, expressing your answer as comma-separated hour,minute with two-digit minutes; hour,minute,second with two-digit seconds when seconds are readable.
11,42
